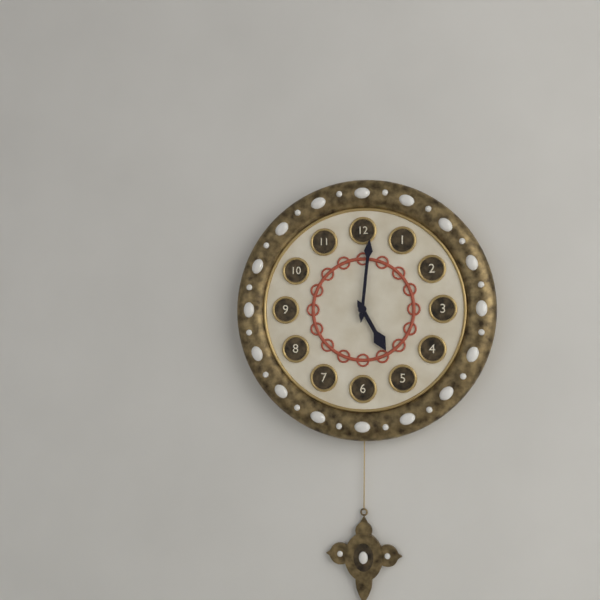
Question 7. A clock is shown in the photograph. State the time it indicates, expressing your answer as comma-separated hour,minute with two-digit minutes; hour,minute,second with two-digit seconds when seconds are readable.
5,01
